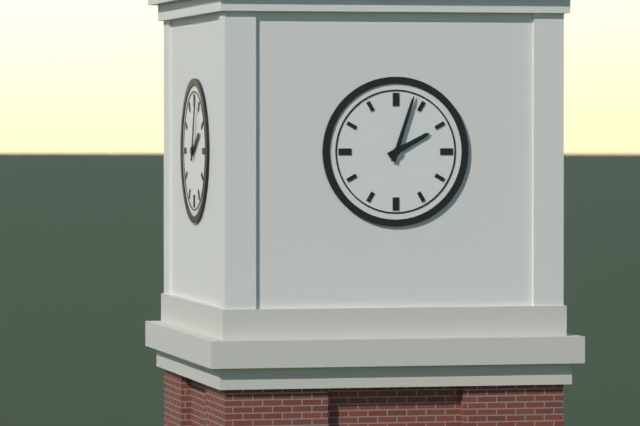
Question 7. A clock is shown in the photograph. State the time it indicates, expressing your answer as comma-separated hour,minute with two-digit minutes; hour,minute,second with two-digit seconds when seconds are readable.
2,03
